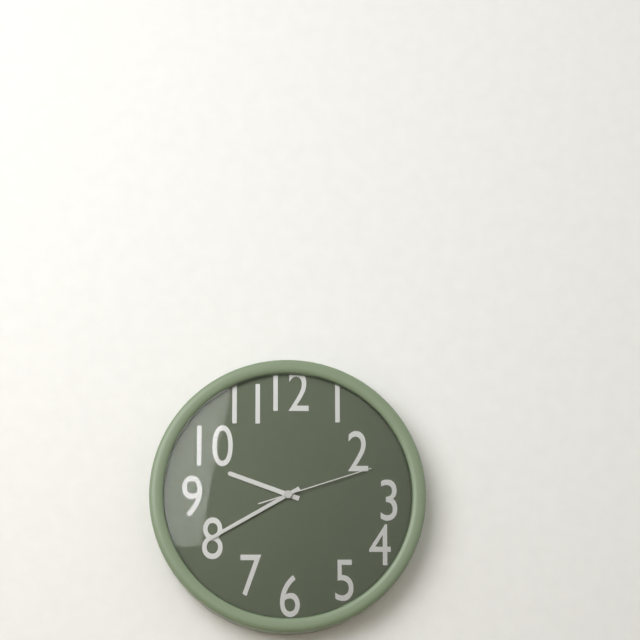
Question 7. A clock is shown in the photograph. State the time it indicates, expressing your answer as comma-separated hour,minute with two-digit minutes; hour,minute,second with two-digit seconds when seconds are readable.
9,40,12
